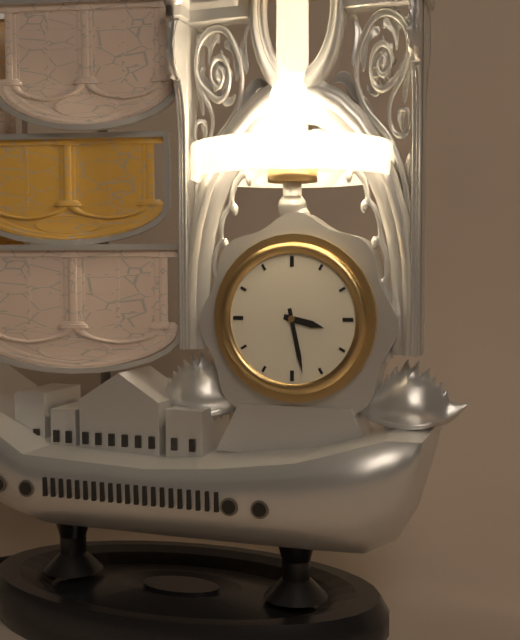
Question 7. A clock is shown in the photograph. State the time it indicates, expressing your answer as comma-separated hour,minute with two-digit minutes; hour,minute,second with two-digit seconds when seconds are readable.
3,28
